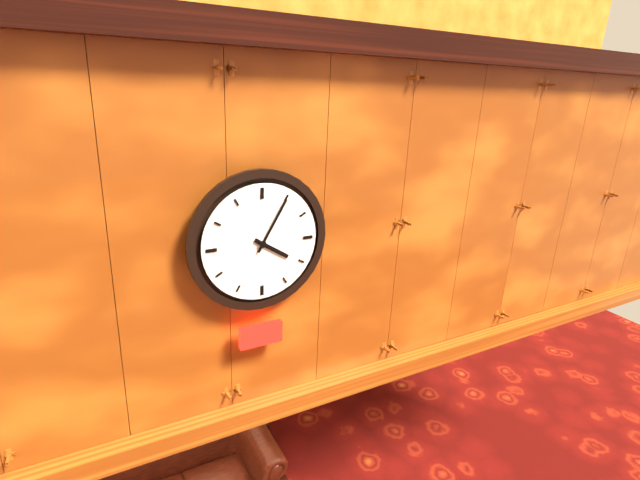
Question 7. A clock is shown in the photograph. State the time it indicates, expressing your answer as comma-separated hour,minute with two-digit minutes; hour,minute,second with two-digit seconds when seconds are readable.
4,05
